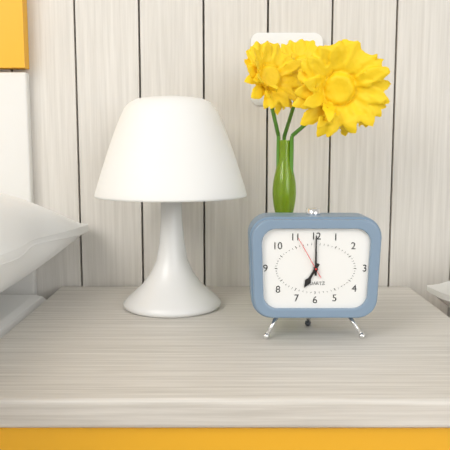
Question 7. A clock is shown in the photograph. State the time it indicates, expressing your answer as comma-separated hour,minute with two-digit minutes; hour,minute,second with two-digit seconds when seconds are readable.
7,00
